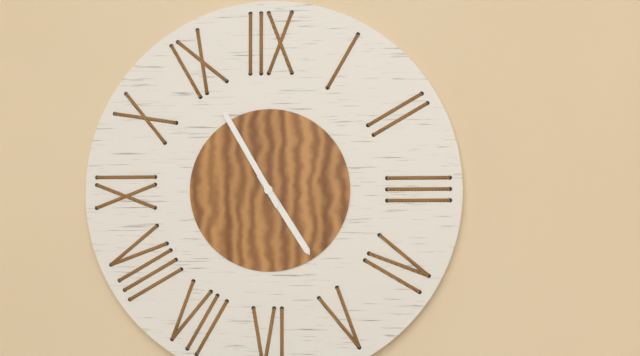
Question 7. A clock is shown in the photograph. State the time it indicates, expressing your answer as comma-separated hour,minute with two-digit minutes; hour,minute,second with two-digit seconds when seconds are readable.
4,55
